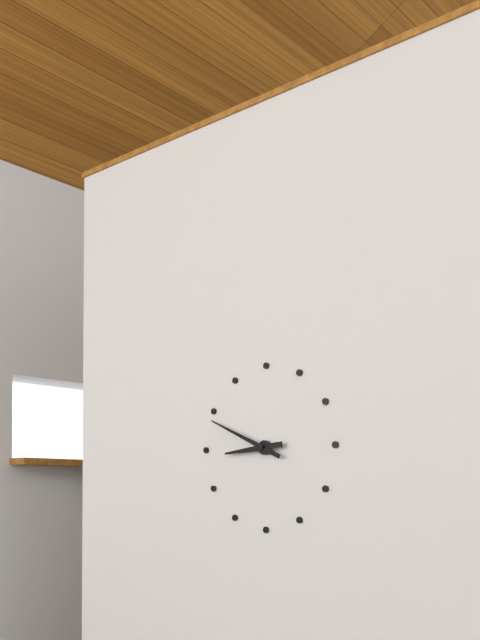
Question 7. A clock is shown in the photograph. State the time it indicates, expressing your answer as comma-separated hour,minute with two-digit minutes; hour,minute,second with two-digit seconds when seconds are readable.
8,49
